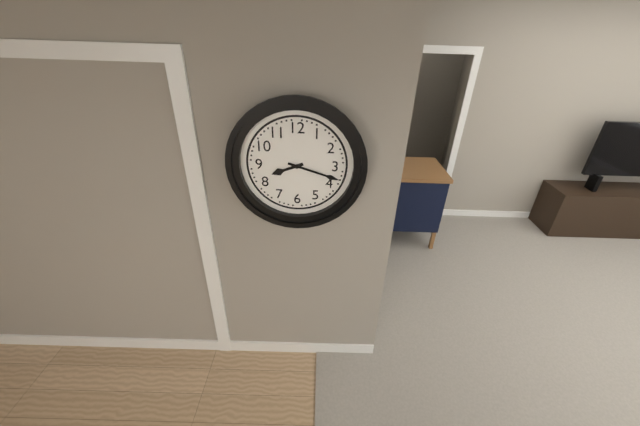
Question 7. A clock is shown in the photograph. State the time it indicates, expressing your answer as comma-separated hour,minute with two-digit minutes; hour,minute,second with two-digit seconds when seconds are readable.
8,18
